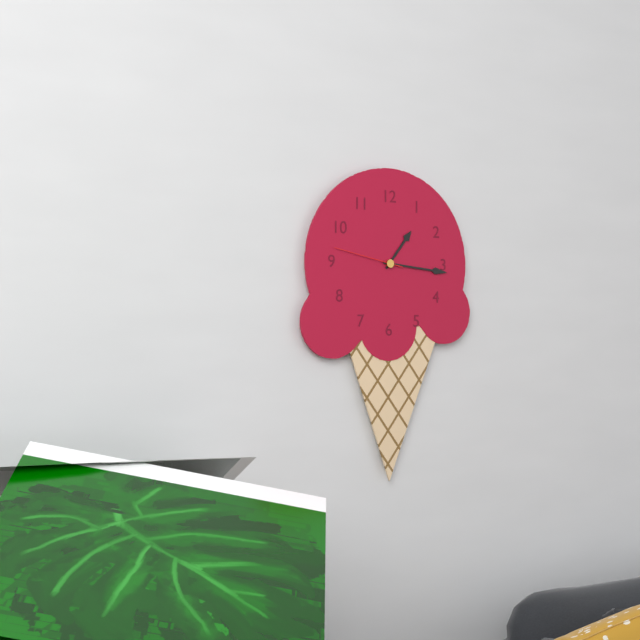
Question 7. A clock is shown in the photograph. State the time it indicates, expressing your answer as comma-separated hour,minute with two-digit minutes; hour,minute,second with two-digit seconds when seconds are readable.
1,16,47
